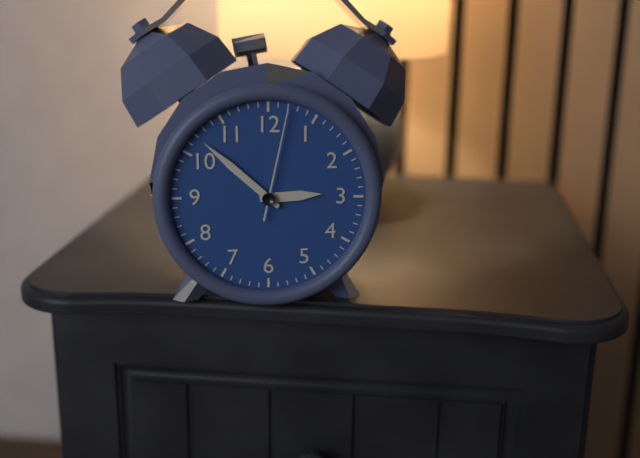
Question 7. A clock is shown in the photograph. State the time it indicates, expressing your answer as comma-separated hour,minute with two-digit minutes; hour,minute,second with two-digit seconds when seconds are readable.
2,52,02
